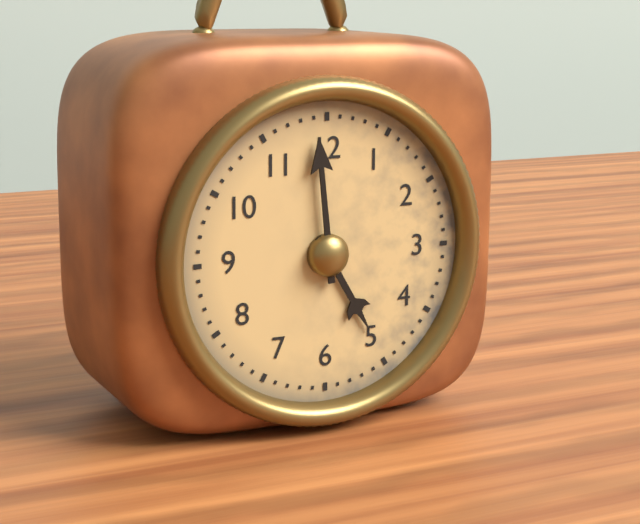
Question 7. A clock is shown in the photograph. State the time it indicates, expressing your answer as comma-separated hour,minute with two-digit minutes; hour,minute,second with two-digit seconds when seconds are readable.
4,59
